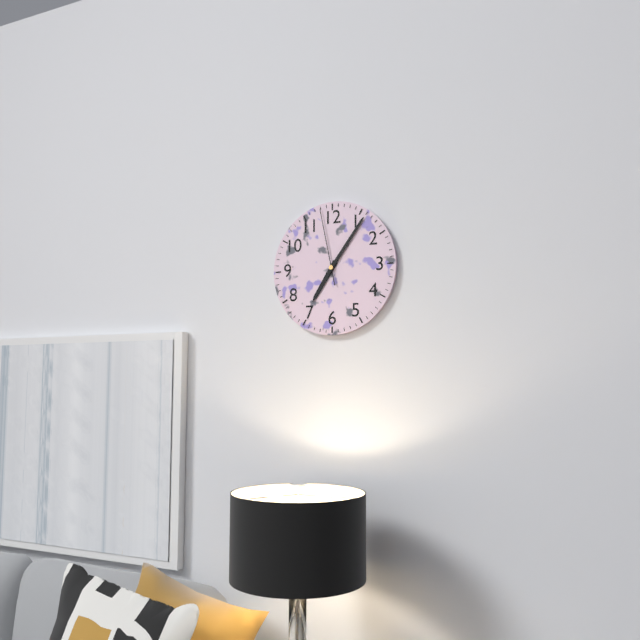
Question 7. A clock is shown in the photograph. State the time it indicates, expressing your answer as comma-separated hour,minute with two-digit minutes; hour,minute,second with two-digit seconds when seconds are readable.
7,06,58
